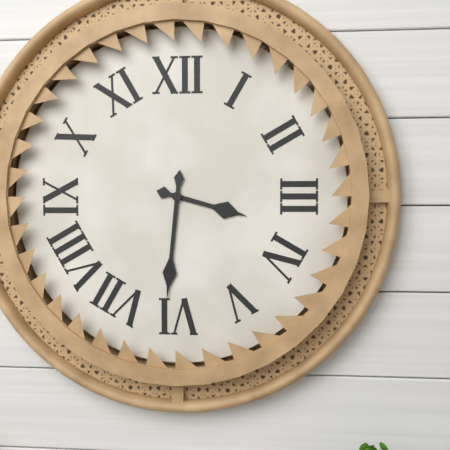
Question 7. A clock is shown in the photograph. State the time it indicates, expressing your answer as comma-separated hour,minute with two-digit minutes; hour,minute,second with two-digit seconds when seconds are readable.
3,31
